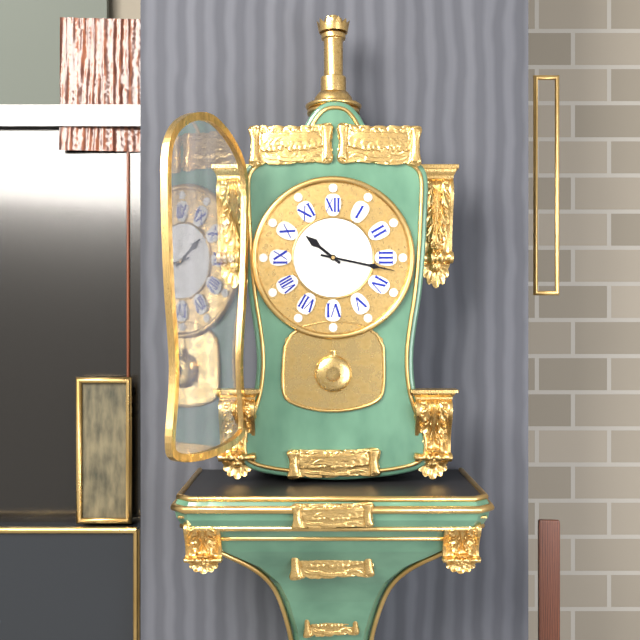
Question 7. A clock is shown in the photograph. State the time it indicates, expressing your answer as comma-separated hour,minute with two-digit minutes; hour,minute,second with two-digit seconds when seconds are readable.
10,17
